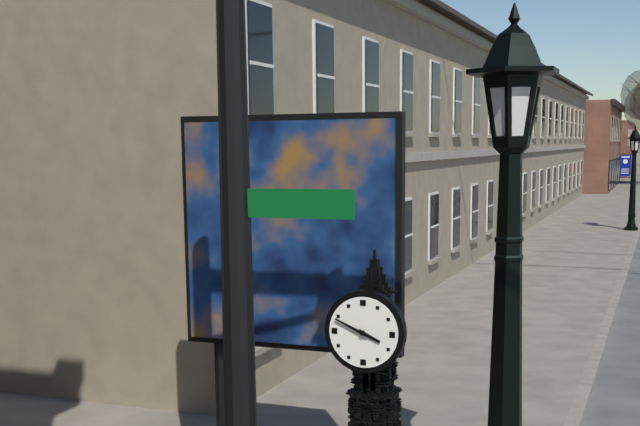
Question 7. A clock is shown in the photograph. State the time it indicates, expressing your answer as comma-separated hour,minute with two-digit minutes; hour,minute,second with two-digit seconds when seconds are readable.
3,49
